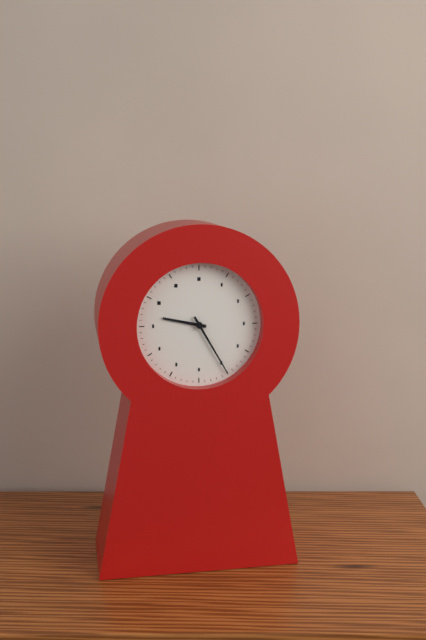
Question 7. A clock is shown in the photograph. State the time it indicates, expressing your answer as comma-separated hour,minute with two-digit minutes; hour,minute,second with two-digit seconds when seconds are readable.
9,25
